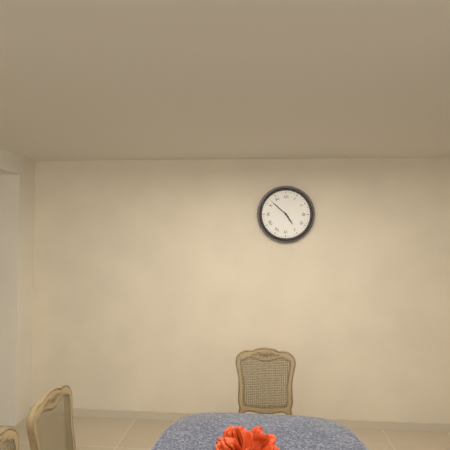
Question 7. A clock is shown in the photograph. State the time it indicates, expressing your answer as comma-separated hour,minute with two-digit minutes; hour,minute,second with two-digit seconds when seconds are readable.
4,52
